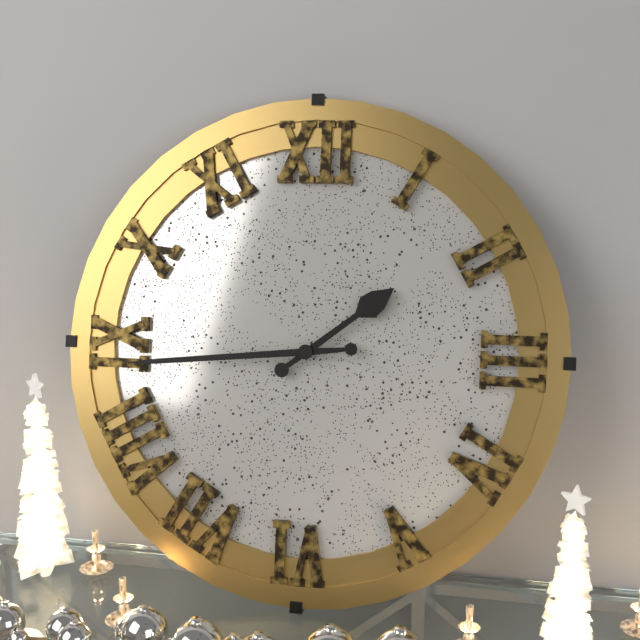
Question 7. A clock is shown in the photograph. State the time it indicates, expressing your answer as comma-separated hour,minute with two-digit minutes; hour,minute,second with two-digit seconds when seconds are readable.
1,44
